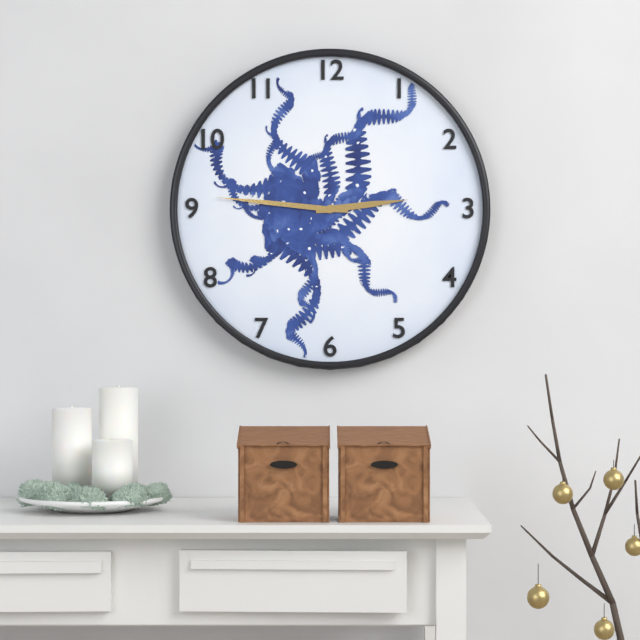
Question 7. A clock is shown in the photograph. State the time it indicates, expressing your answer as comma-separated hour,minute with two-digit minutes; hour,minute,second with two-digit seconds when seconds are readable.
2,46
